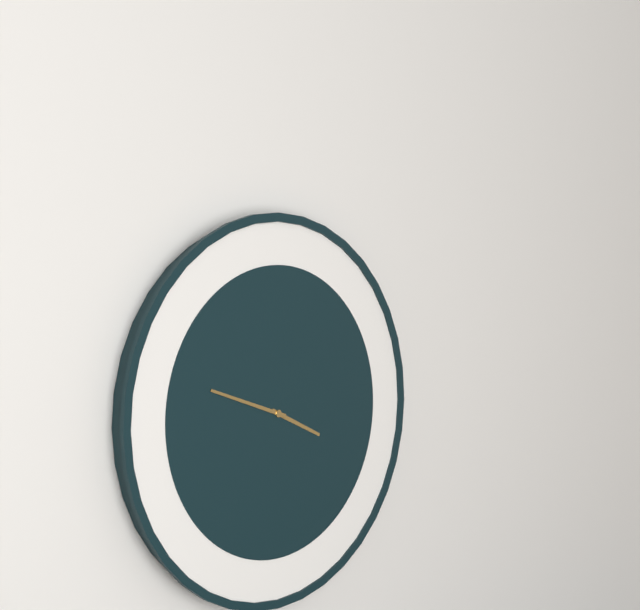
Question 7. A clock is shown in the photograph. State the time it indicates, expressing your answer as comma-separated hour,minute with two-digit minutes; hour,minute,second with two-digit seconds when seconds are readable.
3,48
